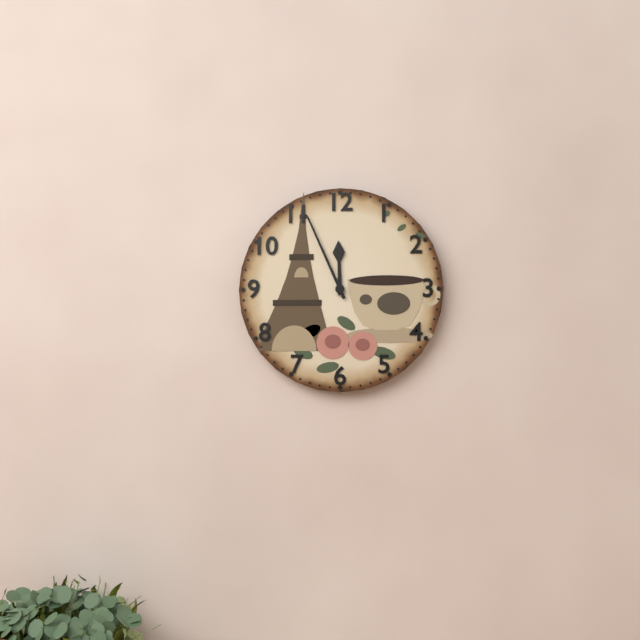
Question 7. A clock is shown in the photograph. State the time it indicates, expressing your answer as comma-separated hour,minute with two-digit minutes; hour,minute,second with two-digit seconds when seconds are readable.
11,56
